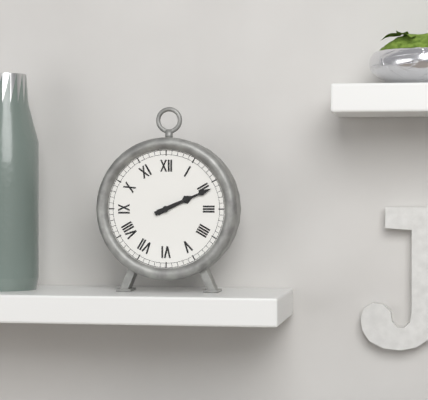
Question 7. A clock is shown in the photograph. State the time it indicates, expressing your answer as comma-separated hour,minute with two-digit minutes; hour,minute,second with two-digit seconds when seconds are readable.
2,11
